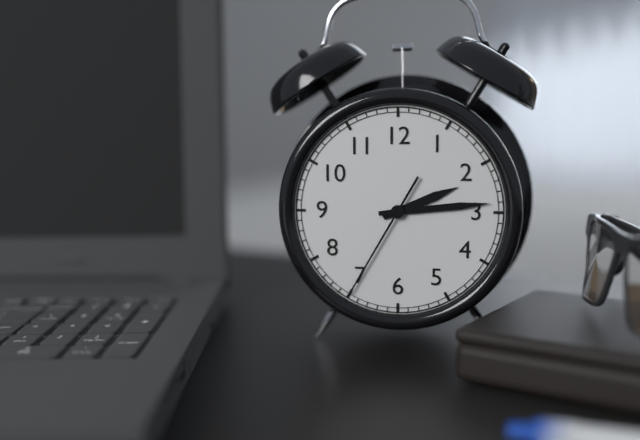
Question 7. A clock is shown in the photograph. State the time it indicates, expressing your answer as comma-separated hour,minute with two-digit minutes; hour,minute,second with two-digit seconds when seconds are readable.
2,14,35
